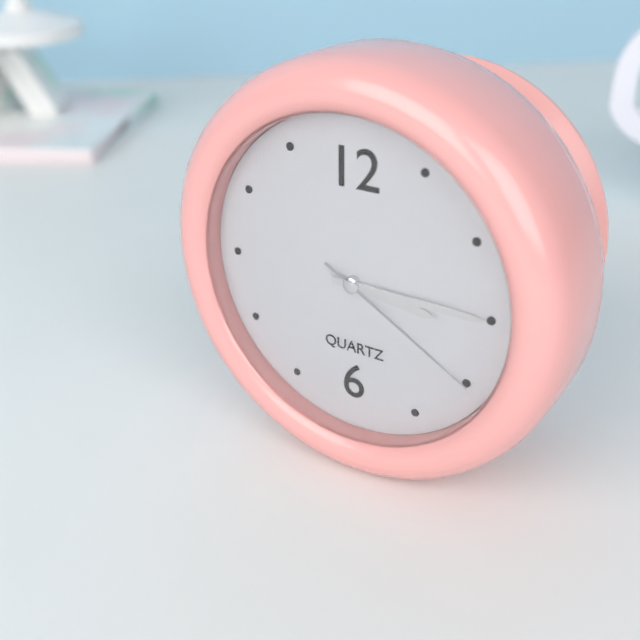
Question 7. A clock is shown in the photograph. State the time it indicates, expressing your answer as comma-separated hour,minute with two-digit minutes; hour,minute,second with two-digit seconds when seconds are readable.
3,15,20
